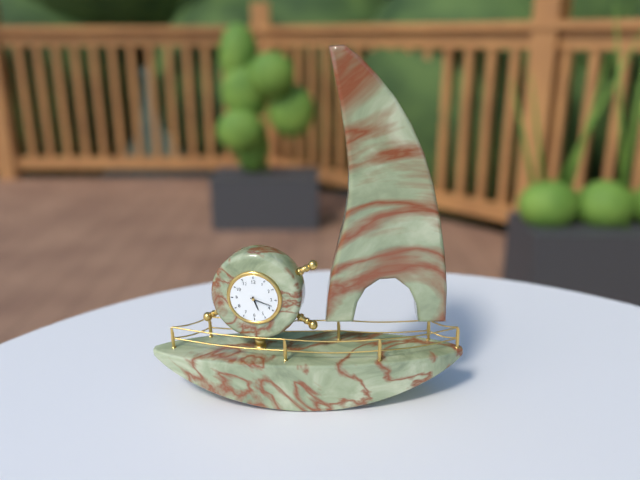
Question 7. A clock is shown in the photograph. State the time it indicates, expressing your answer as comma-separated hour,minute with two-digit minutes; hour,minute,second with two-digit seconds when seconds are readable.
5,18
